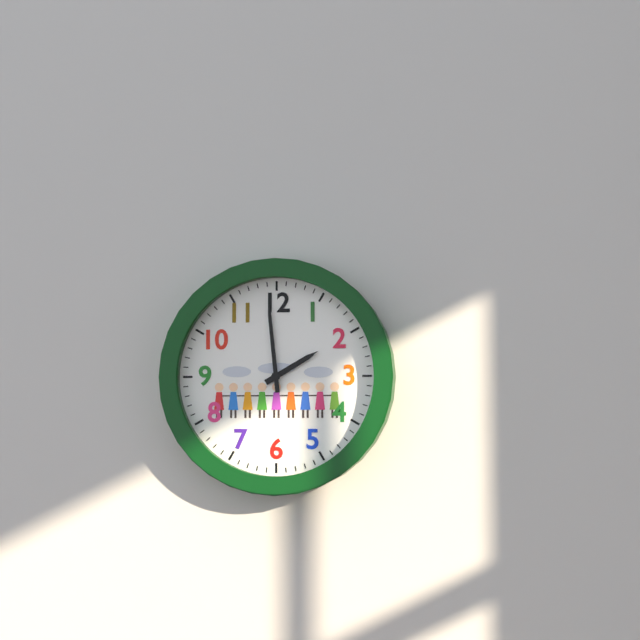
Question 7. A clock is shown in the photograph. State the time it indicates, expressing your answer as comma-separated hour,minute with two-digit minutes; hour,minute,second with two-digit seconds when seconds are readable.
1,59
